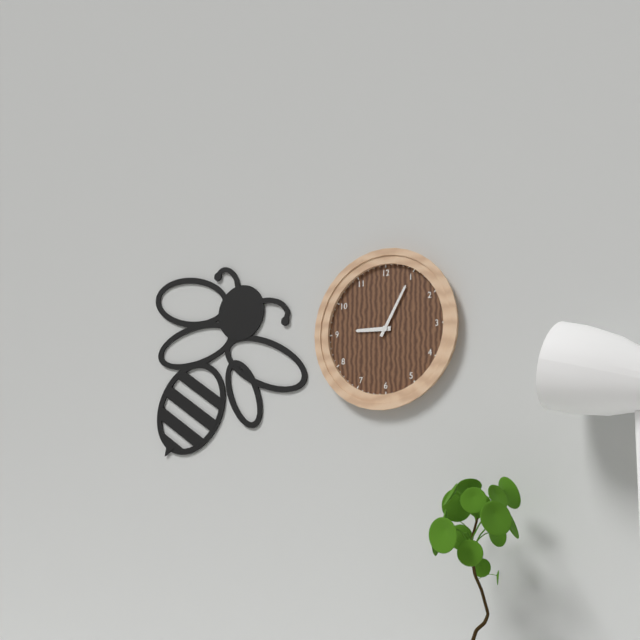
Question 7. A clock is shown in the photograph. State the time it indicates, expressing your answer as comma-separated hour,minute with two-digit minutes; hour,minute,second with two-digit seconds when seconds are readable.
9,05
